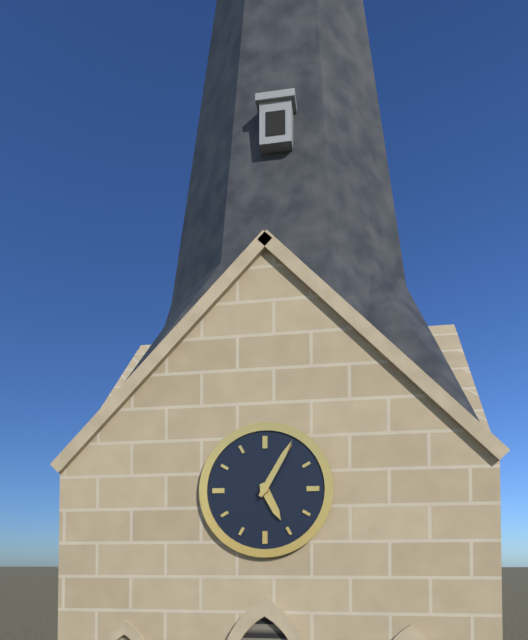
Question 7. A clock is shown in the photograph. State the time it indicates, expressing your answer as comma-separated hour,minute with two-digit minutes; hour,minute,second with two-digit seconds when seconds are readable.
5,05
